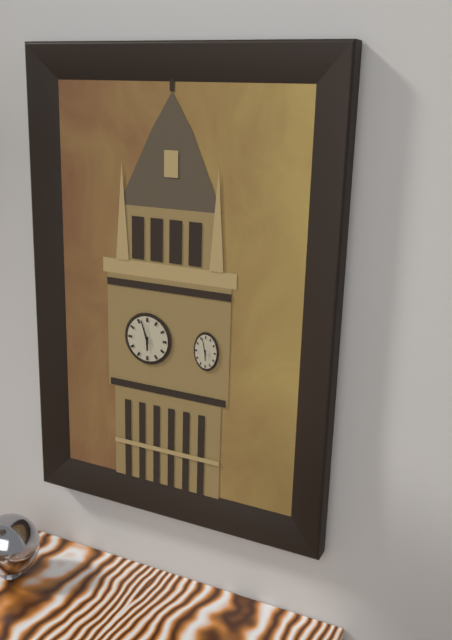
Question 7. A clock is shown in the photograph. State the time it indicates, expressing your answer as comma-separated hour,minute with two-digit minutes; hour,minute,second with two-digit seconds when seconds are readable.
5,57
